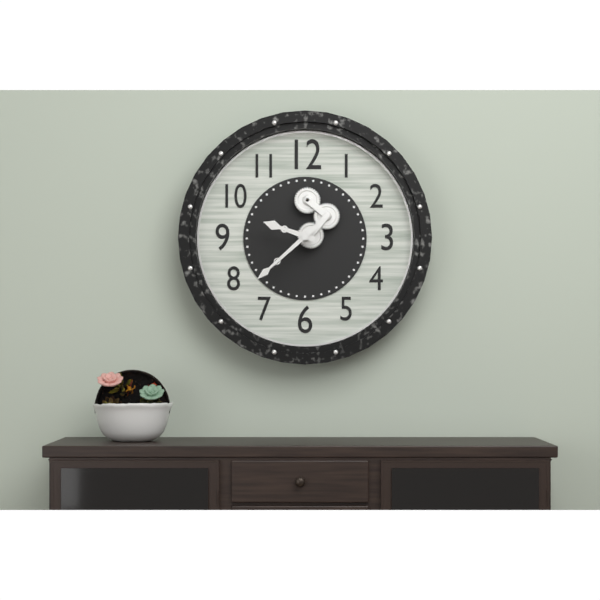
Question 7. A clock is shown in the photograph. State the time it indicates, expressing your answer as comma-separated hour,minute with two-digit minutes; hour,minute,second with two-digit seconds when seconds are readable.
9,38
